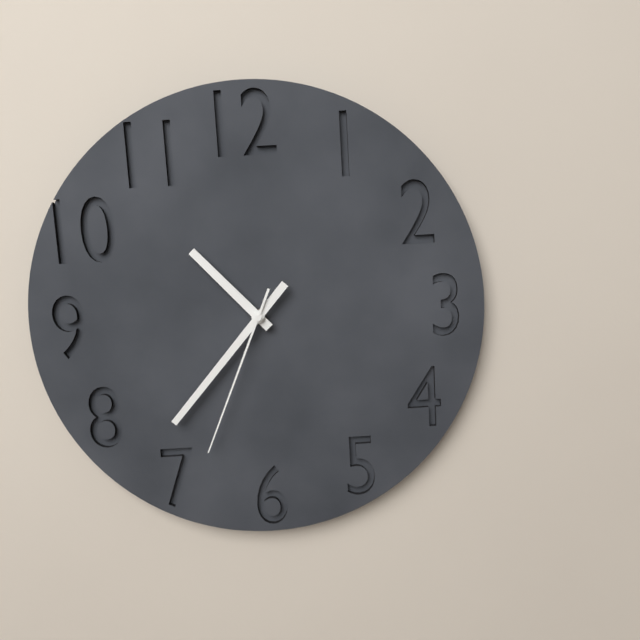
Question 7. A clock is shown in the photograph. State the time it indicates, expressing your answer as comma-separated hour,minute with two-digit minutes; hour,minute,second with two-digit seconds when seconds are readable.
10,37,34
